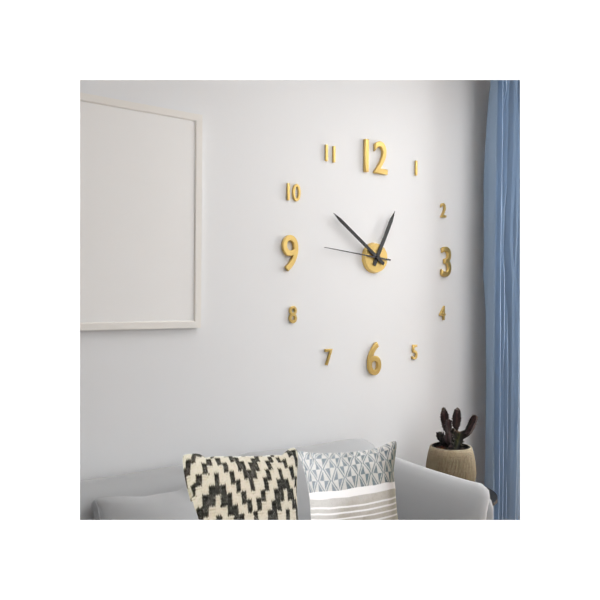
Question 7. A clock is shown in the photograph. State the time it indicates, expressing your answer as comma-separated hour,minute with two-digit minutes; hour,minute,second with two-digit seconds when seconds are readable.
12,51,46
